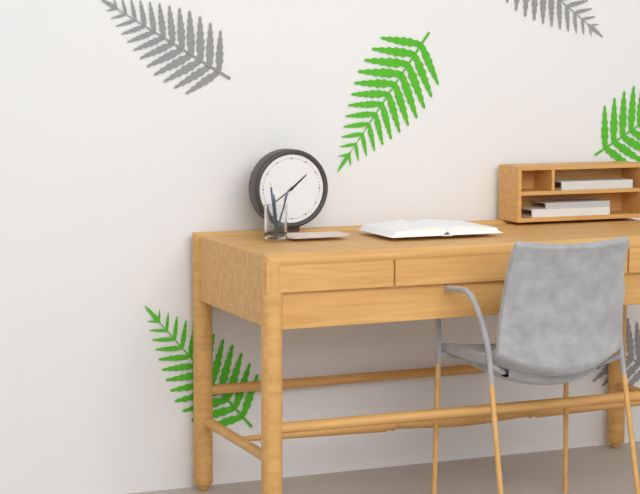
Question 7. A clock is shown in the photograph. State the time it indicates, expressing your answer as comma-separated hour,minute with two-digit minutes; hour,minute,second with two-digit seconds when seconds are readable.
1,39
